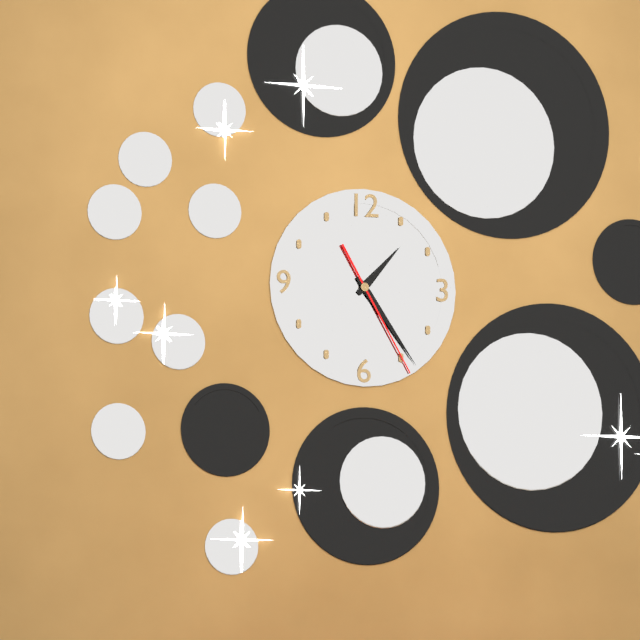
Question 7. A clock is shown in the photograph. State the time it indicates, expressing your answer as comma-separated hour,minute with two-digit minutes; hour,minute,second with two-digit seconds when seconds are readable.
1,24,25
